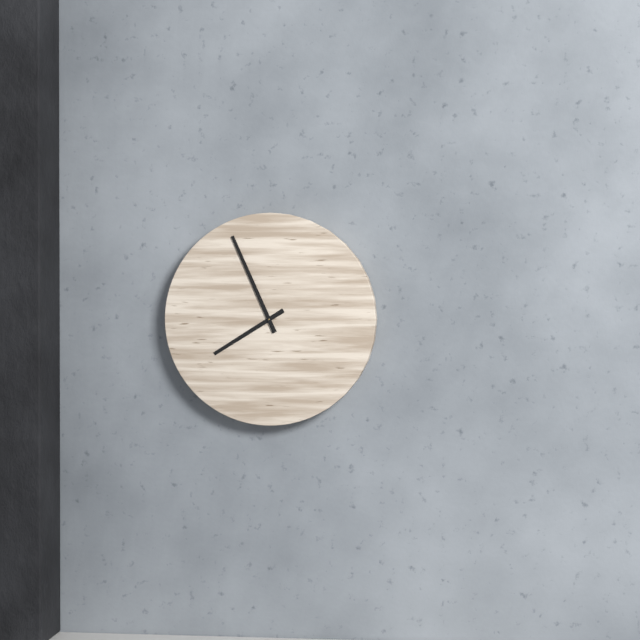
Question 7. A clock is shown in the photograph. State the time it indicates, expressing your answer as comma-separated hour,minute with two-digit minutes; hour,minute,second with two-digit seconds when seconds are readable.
7,56
